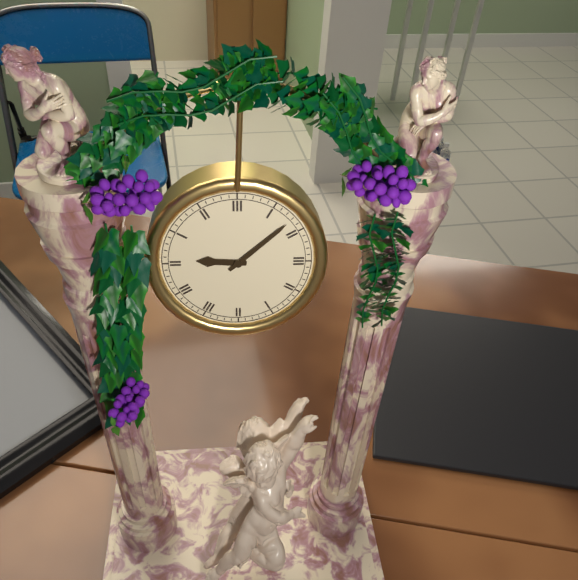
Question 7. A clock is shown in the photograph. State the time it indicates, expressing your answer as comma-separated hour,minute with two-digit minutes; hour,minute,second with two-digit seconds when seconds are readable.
9,08
